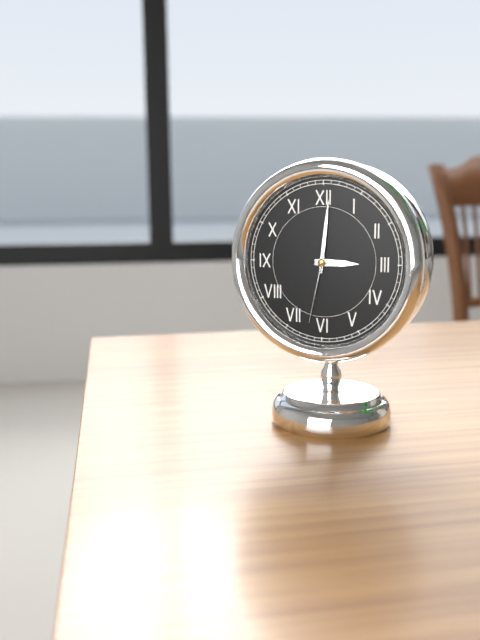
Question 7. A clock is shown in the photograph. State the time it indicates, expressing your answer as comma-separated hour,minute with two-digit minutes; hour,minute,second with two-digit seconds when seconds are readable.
3,01,32
